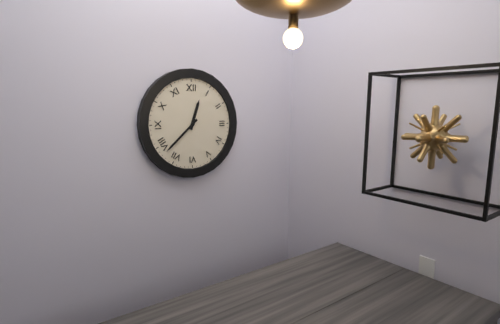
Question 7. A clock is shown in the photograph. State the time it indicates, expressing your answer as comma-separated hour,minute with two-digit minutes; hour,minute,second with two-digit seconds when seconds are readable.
12,38
